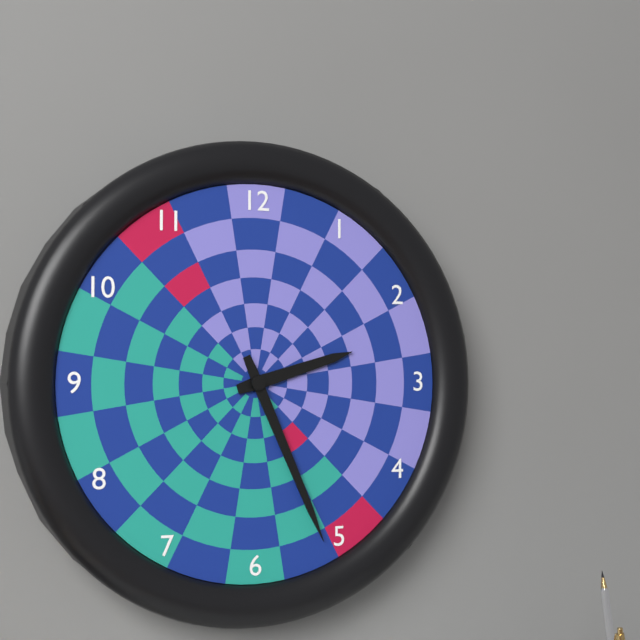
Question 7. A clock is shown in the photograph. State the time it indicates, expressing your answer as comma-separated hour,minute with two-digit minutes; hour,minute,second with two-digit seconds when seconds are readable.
2,26
